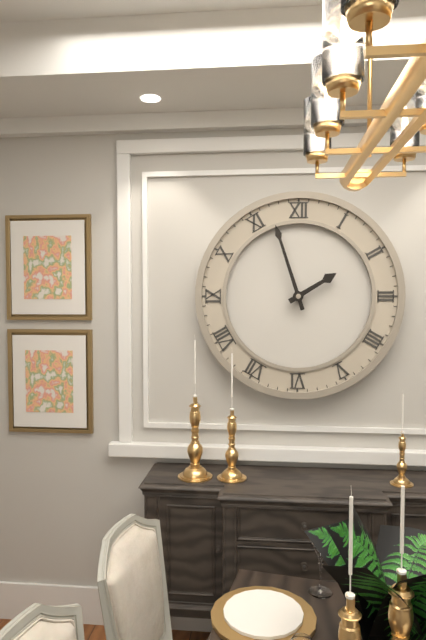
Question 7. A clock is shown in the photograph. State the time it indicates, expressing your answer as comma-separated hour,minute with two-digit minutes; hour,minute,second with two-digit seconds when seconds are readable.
1,57
